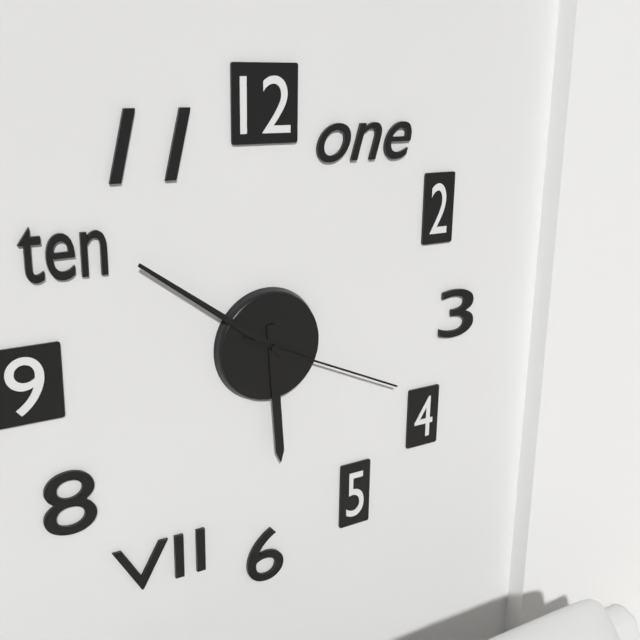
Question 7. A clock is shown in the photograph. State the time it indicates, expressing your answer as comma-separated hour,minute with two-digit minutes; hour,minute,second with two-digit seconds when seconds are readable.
5,51,19
